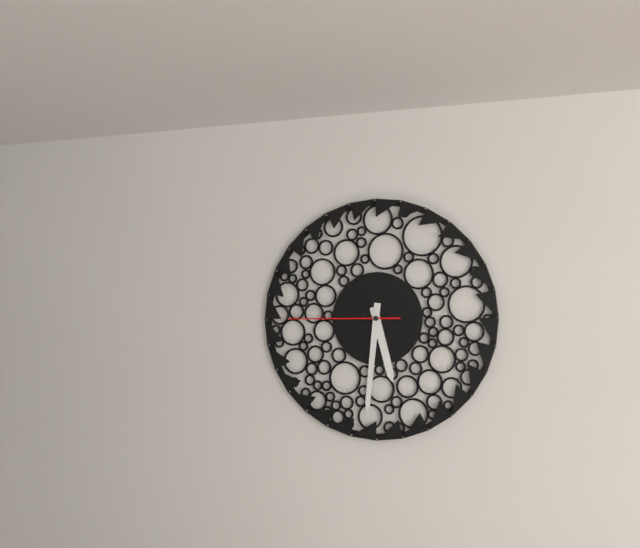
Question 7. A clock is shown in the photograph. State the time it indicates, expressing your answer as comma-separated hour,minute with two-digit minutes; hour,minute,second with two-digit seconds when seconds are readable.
5,31,45
